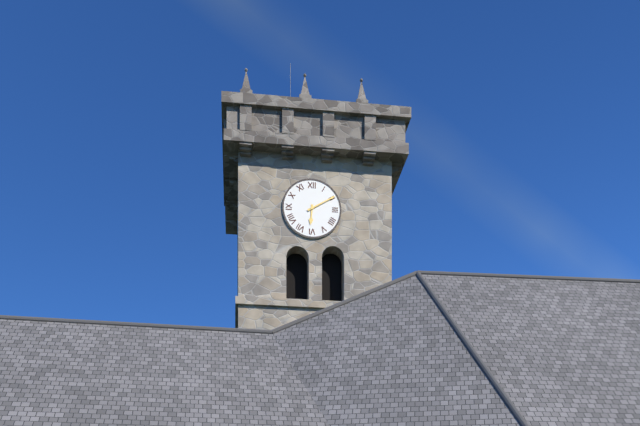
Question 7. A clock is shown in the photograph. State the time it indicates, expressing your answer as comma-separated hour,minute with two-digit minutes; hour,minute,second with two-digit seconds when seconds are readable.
6,10
